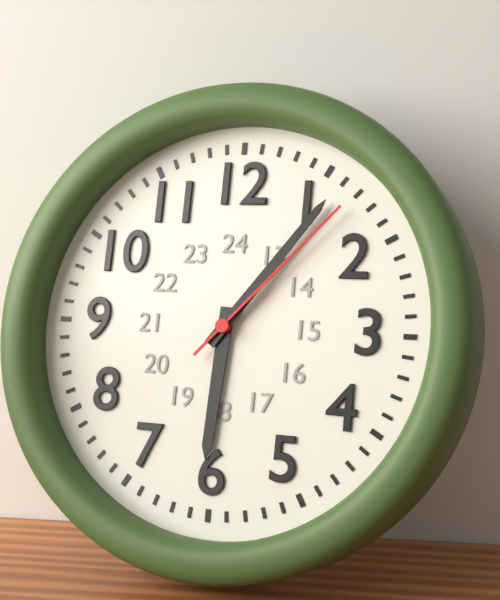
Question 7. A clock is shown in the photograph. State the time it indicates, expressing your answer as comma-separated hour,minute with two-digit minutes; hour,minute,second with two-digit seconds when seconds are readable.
6,06,07
